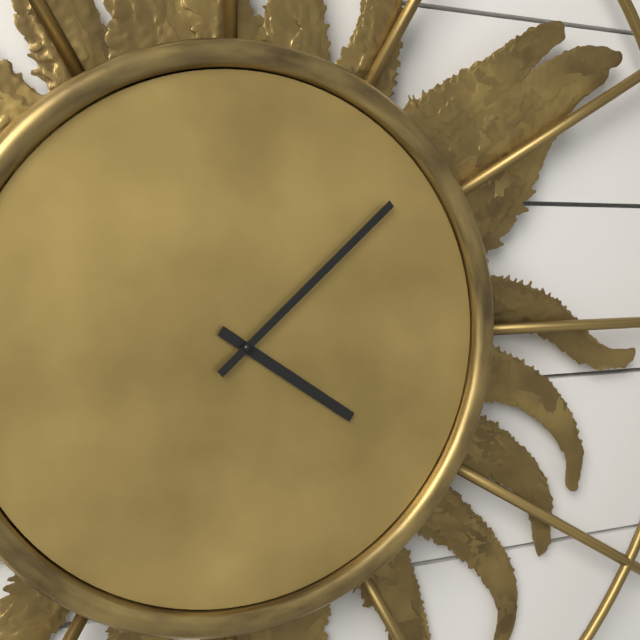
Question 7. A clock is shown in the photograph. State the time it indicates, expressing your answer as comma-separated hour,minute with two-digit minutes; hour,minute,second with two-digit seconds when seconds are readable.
4,08
